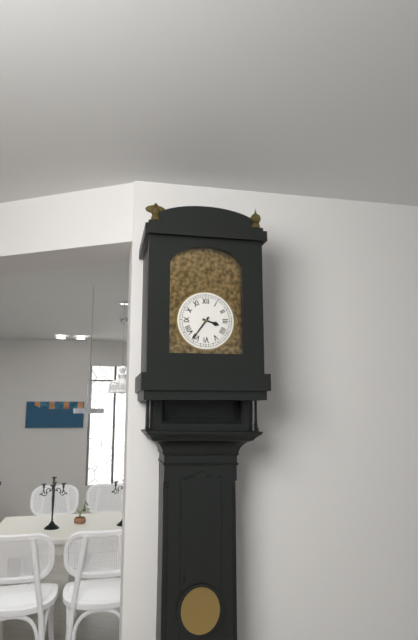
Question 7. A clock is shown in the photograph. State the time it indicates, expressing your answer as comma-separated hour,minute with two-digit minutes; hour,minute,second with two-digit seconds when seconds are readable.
3,36
